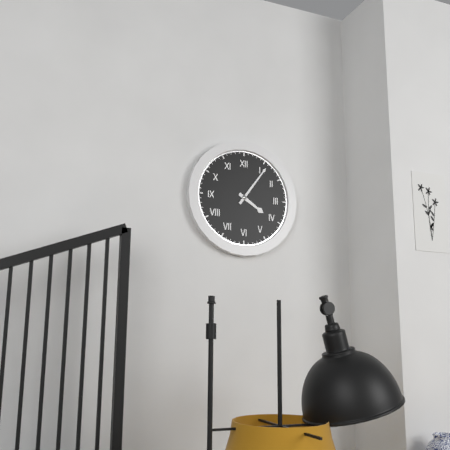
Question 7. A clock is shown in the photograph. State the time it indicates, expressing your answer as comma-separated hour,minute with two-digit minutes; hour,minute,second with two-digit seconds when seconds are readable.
4,06
